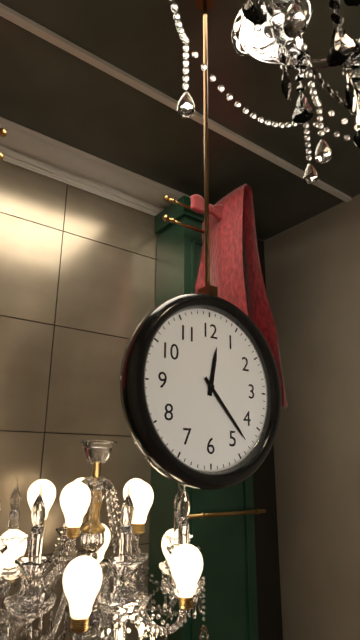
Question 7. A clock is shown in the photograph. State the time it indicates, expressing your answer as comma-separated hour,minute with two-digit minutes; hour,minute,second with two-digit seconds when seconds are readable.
12,23
